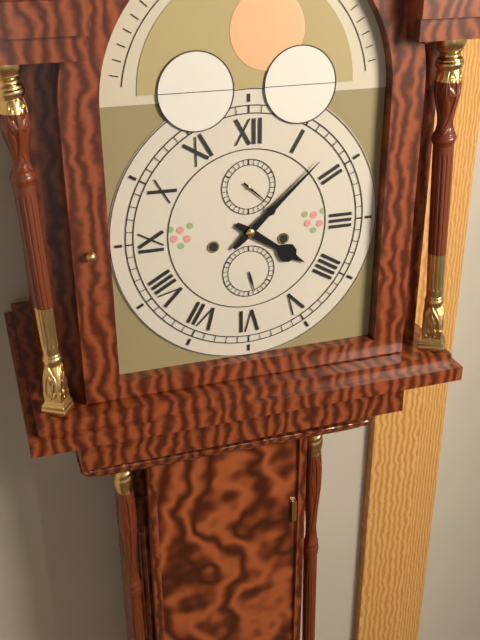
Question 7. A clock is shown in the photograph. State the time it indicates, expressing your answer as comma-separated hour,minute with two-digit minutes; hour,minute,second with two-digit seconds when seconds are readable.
4,08
